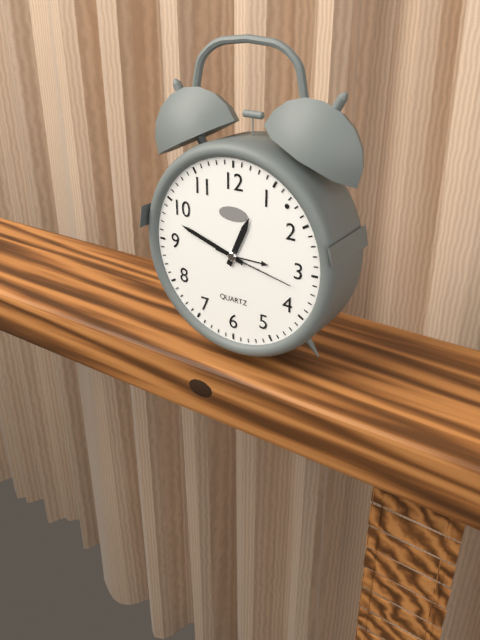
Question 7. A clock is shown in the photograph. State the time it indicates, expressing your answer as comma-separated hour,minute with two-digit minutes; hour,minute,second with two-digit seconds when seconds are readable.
12,48,17
